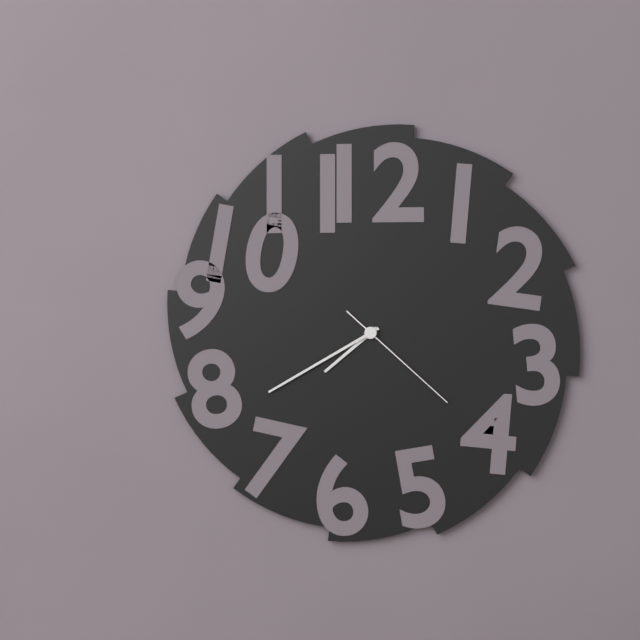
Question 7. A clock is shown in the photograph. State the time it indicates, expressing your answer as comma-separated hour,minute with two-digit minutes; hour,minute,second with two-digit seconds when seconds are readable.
7,40,22
